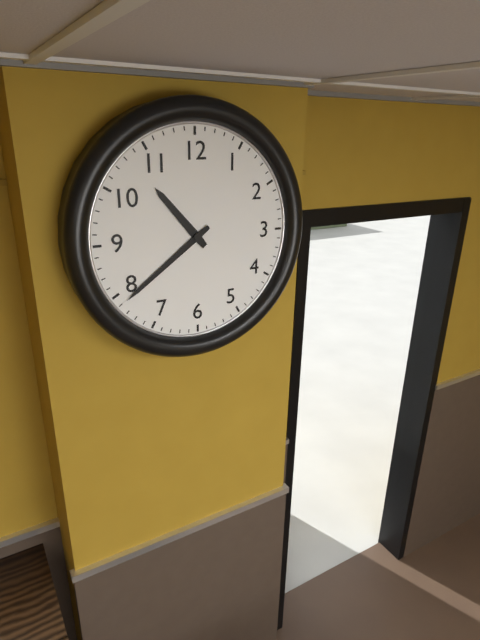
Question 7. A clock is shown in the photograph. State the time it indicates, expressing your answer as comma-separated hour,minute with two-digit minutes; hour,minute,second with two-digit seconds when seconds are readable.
10,39
